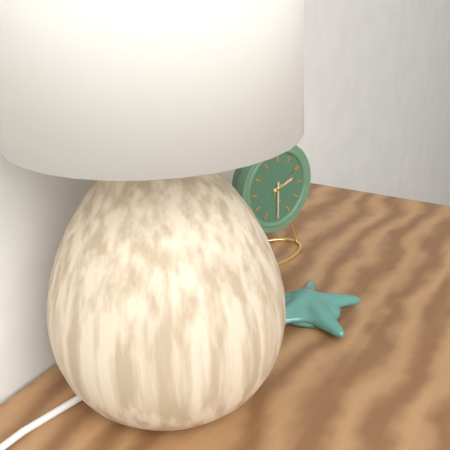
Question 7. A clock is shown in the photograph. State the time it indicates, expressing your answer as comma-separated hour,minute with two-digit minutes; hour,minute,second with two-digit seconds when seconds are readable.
2,30
